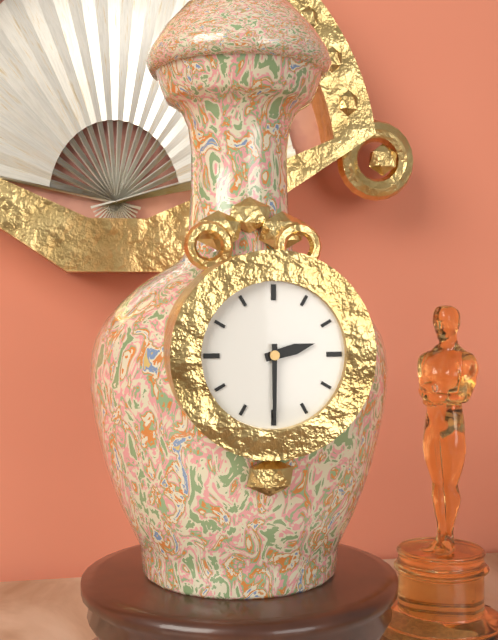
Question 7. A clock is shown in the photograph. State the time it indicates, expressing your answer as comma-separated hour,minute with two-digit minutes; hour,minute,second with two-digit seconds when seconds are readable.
2,30
